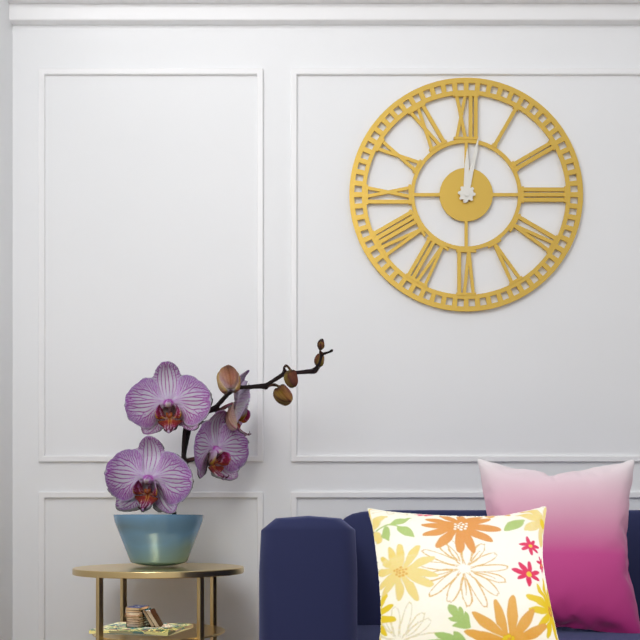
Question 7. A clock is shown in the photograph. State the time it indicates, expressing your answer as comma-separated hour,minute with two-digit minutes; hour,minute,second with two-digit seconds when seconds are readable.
12,02
